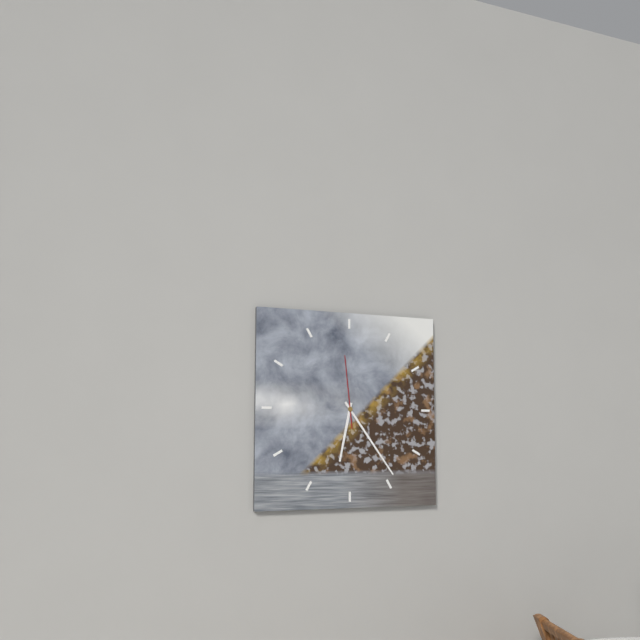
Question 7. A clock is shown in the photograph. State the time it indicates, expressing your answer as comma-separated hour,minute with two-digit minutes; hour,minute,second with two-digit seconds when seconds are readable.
6,24,59
